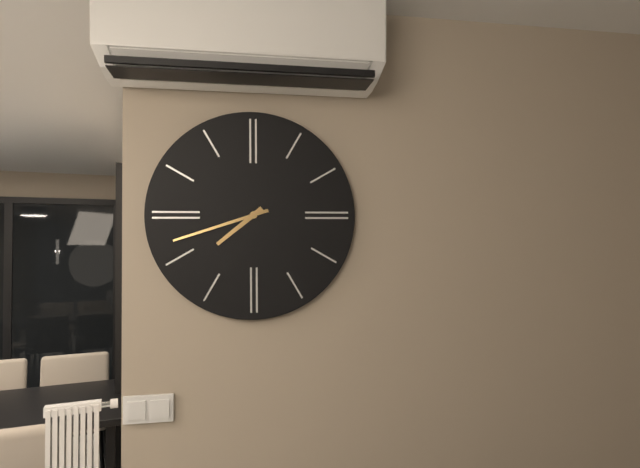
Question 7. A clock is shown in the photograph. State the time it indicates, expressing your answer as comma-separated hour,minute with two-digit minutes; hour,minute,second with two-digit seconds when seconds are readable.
7,42
